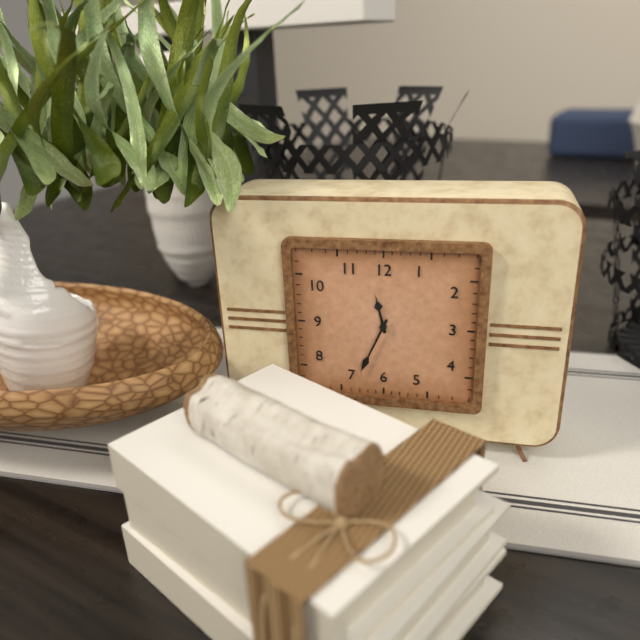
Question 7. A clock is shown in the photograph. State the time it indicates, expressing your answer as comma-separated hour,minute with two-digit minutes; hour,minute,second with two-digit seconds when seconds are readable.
11,34
